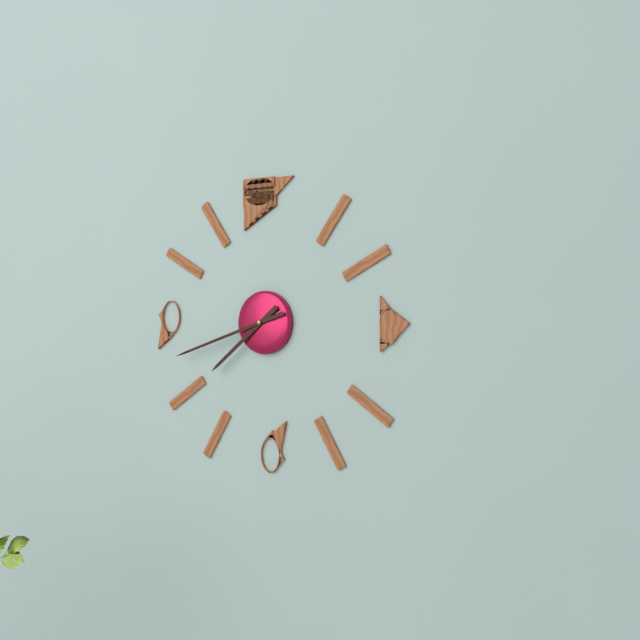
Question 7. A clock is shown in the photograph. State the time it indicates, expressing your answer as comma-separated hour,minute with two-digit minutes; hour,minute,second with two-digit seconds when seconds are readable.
7,42
